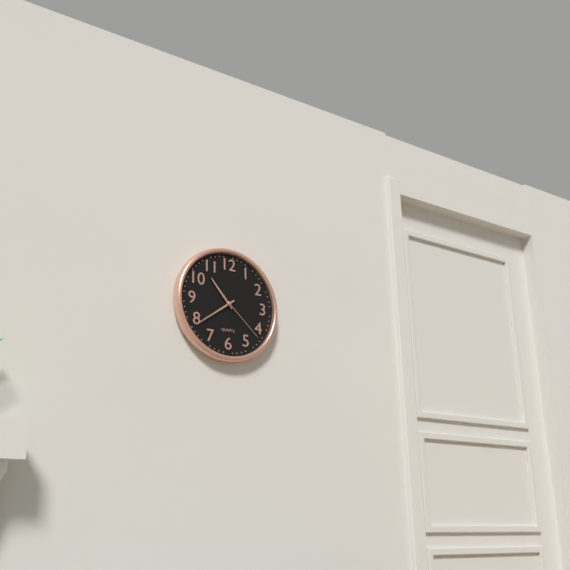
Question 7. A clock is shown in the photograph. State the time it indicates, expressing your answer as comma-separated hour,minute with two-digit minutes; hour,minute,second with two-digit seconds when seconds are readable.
10,39,22
